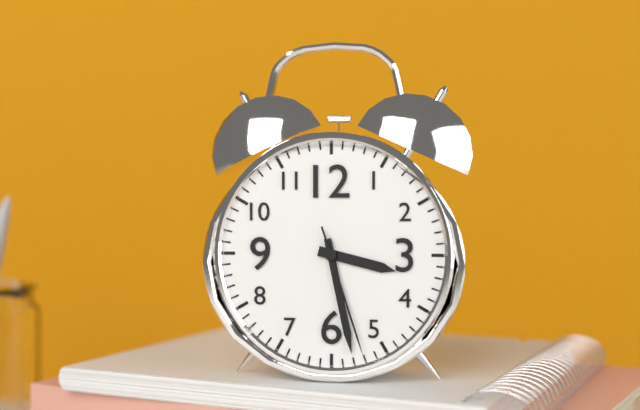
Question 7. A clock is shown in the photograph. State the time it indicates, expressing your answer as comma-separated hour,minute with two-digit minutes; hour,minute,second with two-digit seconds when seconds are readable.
3,28,27
